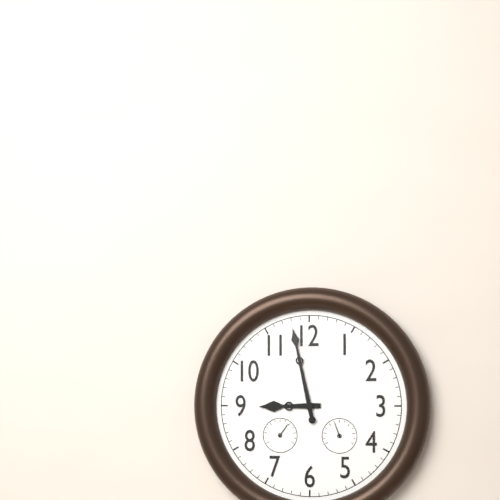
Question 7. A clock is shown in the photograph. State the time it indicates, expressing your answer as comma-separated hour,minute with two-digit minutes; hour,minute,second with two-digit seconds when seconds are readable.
8,58
